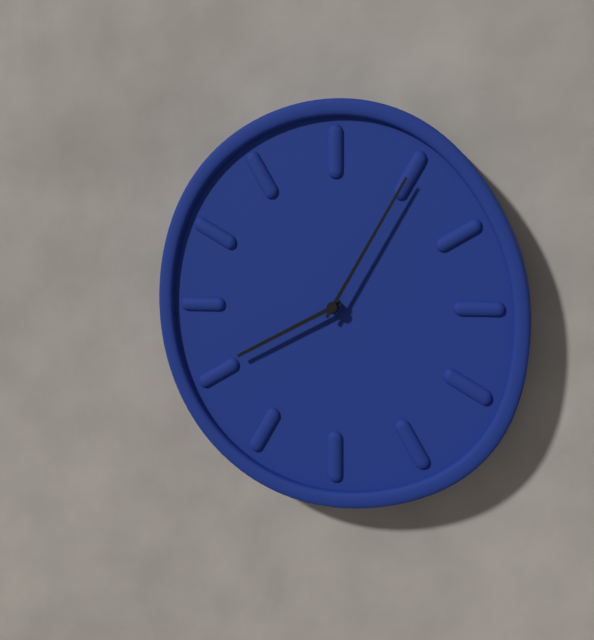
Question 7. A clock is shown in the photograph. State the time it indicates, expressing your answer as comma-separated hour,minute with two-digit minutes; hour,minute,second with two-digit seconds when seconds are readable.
8,05
